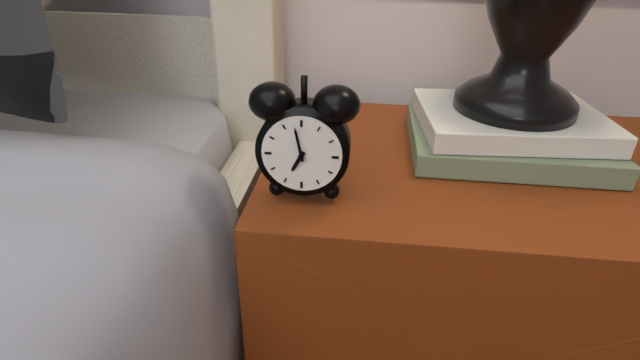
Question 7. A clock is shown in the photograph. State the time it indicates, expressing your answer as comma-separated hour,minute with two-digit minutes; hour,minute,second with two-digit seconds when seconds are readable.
6,58
